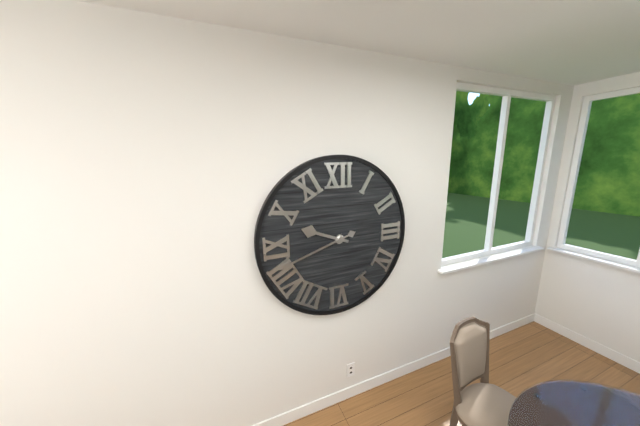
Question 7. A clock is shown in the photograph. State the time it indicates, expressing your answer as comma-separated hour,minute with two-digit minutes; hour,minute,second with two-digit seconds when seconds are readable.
9,42
